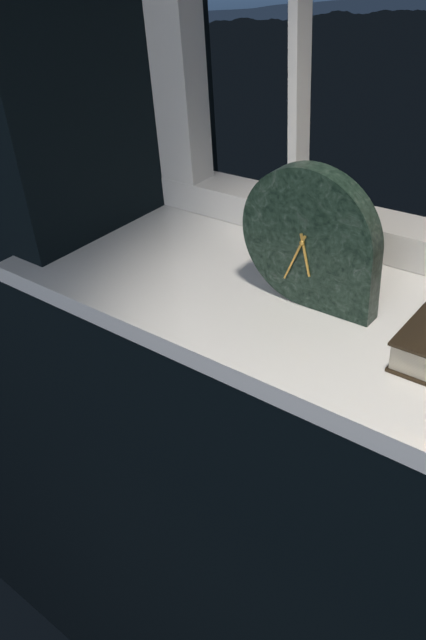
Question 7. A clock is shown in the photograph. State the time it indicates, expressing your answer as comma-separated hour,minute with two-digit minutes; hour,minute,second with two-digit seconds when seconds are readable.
5,34
